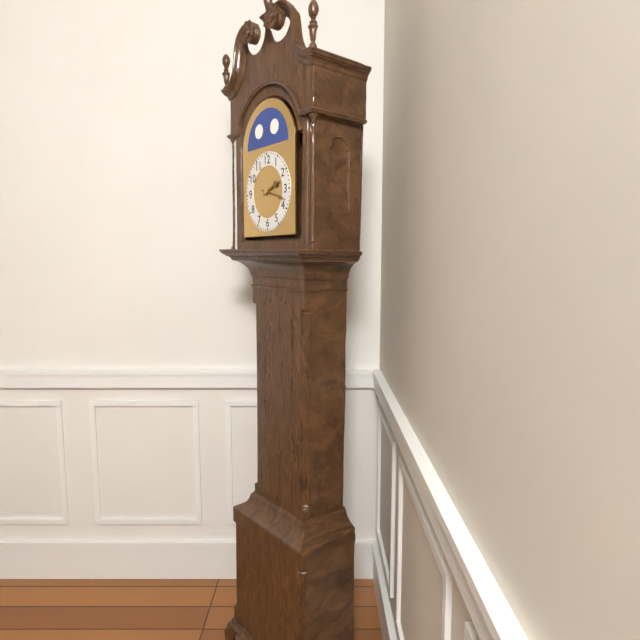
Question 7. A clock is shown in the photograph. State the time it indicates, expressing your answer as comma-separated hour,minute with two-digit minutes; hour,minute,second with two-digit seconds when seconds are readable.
2,18
